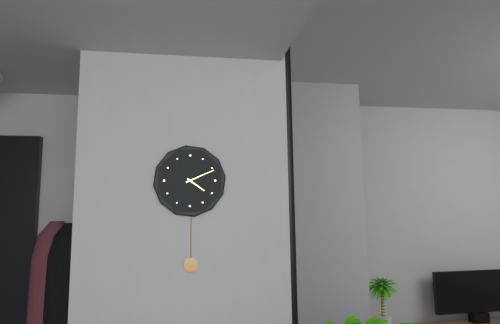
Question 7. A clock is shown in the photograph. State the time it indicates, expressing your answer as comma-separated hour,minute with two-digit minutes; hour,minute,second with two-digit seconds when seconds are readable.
4,11
